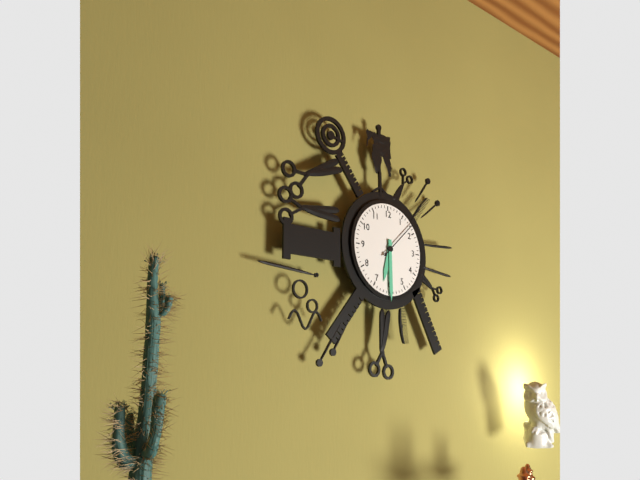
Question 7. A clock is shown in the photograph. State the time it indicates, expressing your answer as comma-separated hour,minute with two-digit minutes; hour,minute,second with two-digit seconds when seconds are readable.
6,30,08
